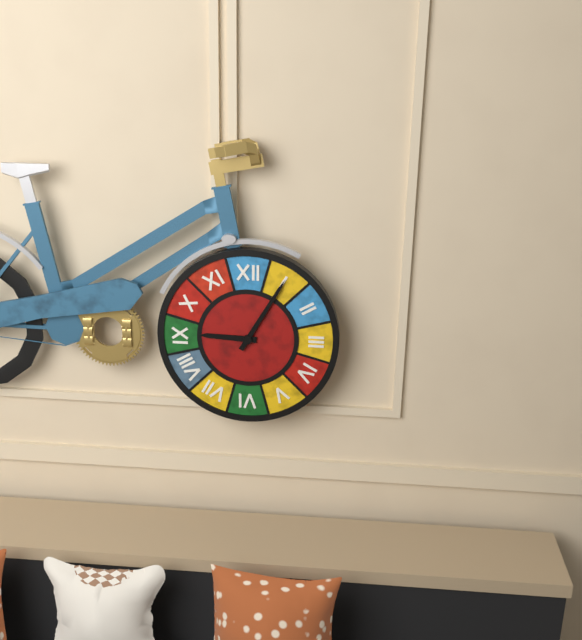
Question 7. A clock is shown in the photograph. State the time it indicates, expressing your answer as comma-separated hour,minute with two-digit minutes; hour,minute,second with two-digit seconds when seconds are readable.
9,05
